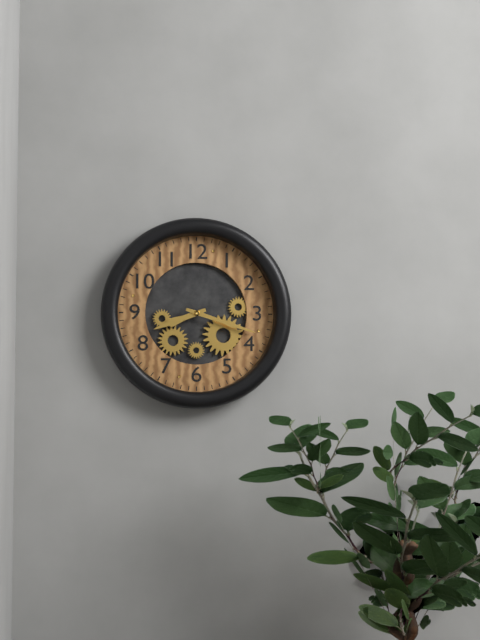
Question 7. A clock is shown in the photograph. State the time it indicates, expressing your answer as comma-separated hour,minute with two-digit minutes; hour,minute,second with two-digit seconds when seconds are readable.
8,18
